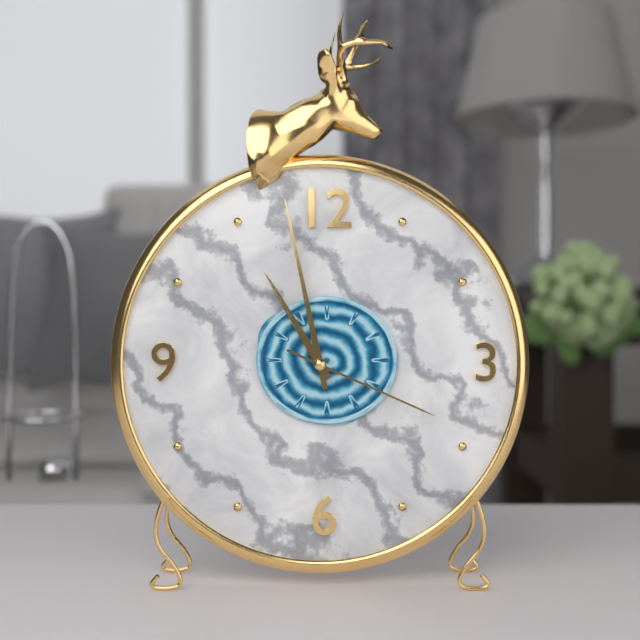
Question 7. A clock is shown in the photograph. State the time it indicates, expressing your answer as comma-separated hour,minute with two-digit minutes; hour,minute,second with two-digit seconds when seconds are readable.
10,58,19
